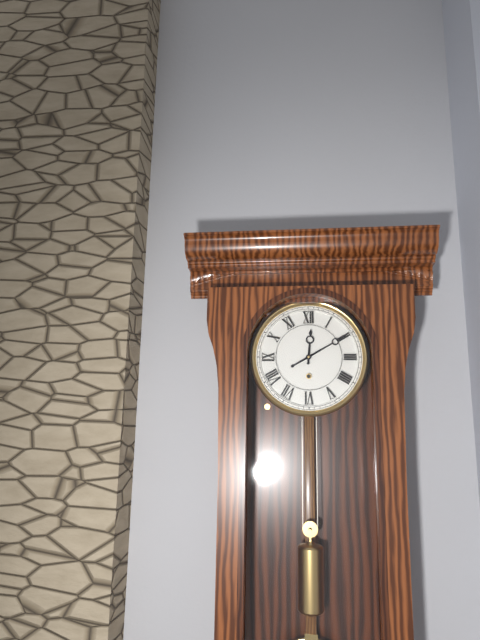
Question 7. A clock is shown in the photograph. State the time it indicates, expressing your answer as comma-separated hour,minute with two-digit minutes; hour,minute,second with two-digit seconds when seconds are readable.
12,10
